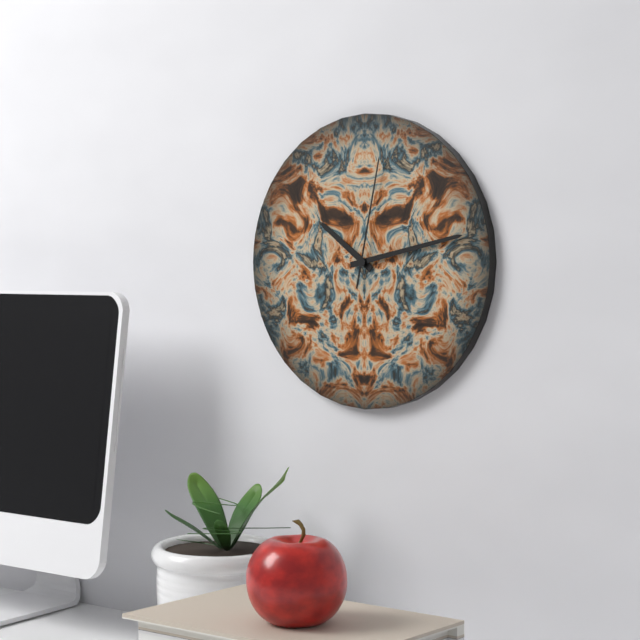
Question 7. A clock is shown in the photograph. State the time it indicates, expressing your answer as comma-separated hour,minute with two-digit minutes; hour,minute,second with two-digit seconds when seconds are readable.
10,13,02
